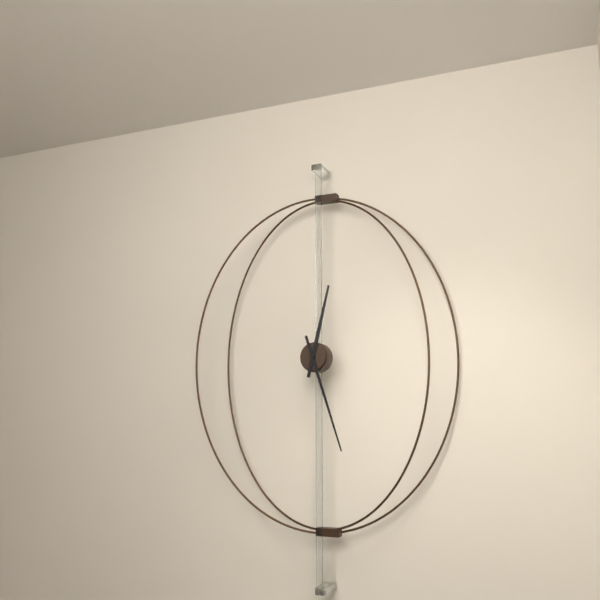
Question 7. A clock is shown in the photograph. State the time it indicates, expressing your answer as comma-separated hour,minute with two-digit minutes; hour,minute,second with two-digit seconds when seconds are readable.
12,27
